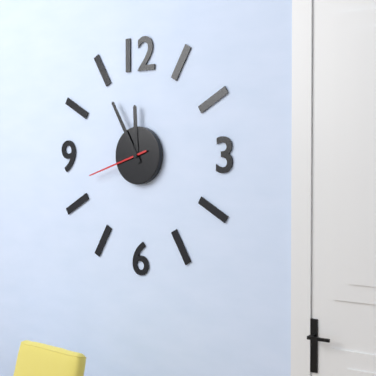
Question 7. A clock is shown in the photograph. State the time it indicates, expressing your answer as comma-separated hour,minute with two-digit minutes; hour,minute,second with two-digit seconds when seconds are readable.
11,55,42
